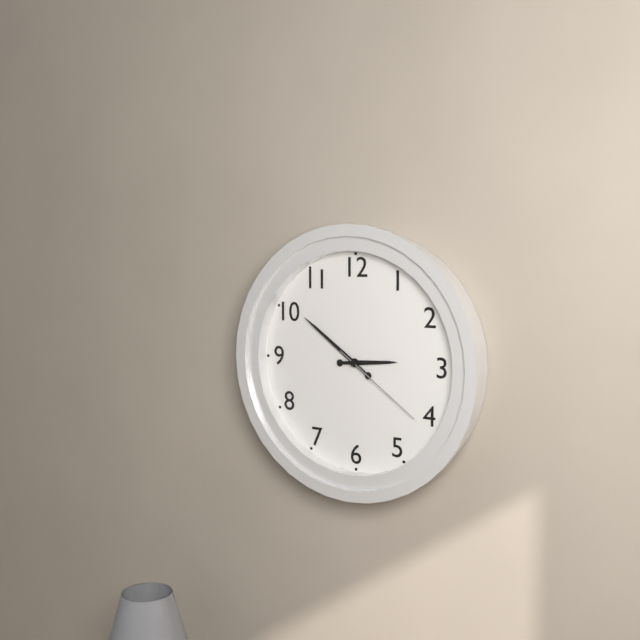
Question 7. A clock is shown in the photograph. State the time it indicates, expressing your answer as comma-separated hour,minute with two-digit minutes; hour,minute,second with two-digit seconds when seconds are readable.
2,51,21
